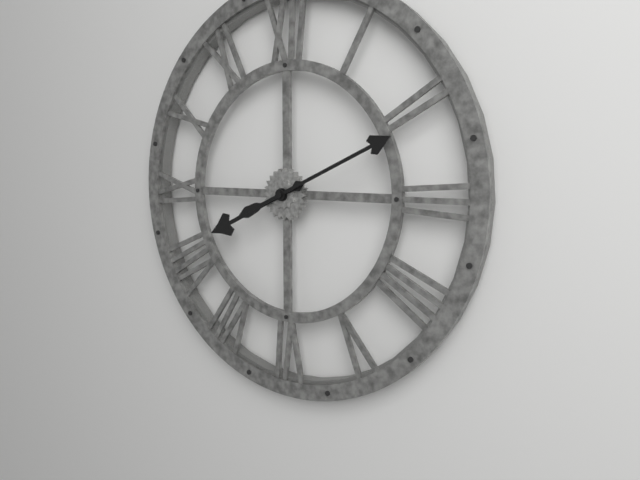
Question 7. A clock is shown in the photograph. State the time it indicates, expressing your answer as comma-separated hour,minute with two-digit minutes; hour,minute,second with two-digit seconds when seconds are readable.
8,11
